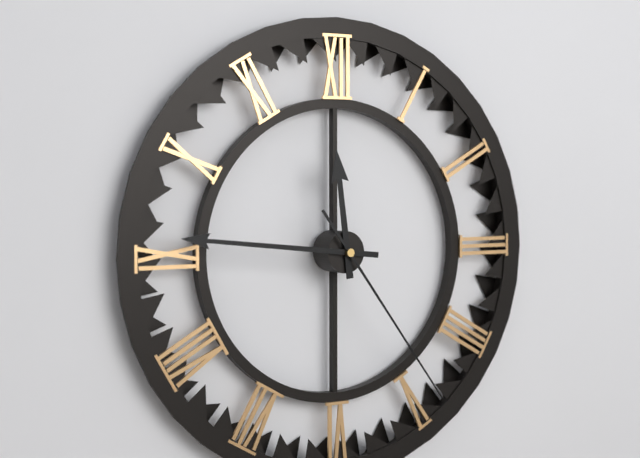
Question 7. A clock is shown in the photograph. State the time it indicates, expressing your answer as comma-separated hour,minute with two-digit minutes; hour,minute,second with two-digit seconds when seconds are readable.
11,46,24
